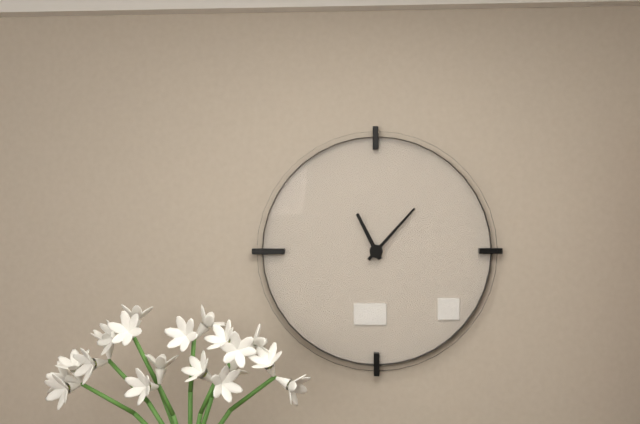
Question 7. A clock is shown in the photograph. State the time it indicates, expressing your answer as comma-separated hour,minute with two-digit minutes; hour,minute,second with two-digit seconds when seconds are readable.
11,07
